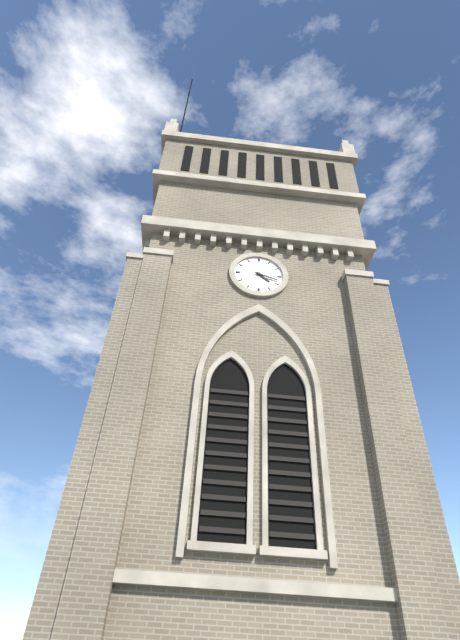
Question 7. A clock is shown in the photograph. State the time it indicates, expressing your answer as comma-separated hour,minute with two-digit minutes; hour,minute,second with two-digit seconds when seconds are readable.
4,18
